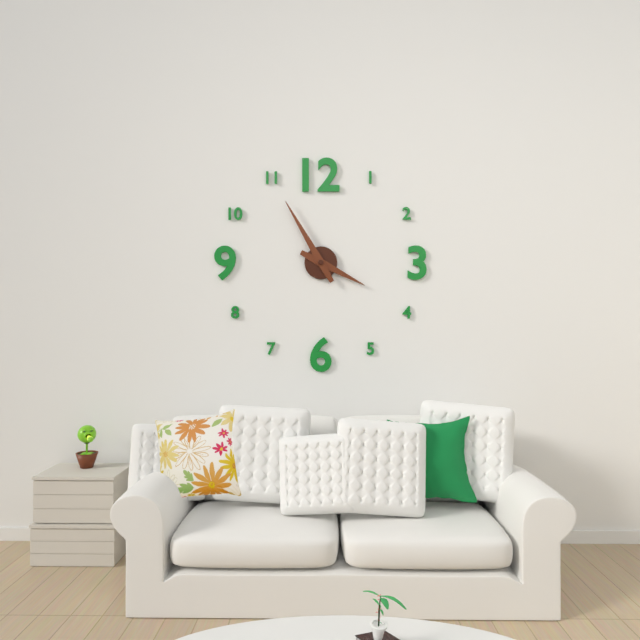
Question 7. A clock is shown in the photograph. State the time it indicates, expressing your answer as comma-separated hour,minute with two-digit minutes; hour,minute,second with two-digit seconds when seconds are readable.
3,55
